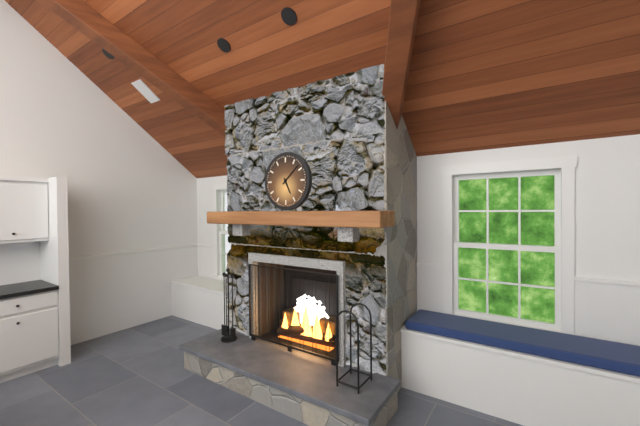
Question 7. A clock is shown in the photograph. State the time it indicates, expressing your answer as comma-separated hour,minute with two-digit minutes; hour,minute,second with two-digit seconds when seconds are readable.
5,08
